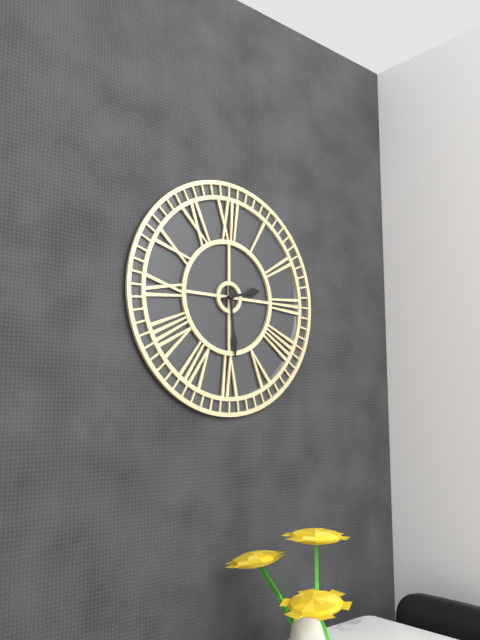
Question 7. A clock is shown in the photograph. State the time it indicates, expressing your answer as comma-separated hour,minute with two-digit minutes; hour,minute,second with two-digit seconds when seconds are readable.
2,29
